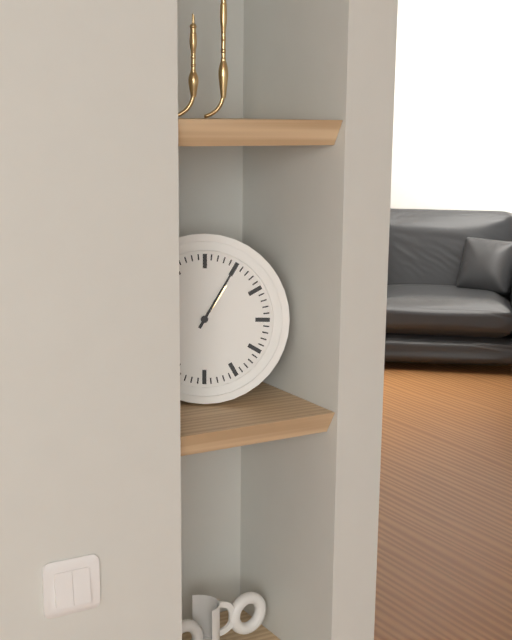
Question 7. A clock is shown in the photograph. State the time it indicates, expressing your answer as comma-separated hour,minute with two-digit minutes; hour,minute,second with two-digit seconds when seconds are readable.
1,05
